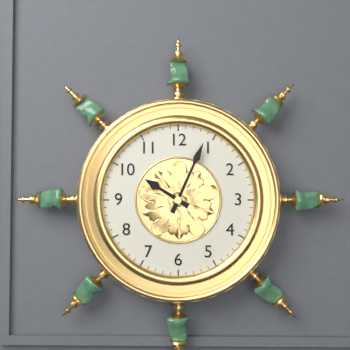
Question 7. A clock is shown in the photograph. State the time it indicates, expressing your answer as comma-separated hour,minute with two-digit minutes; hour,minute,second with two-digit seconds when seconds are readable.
10,04
